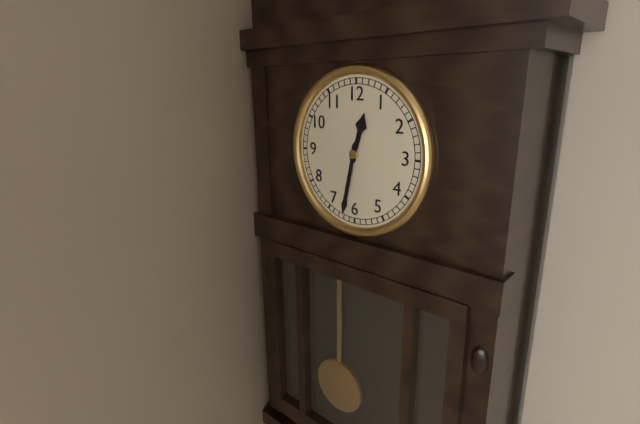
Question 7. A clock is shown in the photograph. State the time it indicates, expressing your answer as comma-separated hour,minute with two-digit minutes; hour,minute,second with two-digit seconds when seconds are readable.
12,32
